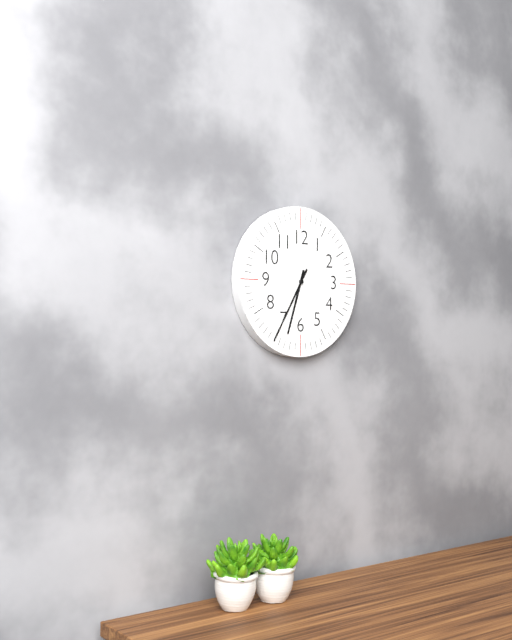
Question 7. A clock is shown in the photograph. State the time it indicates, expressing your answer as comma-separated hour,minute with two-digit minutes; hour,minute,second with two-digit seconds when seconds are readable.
6,35
